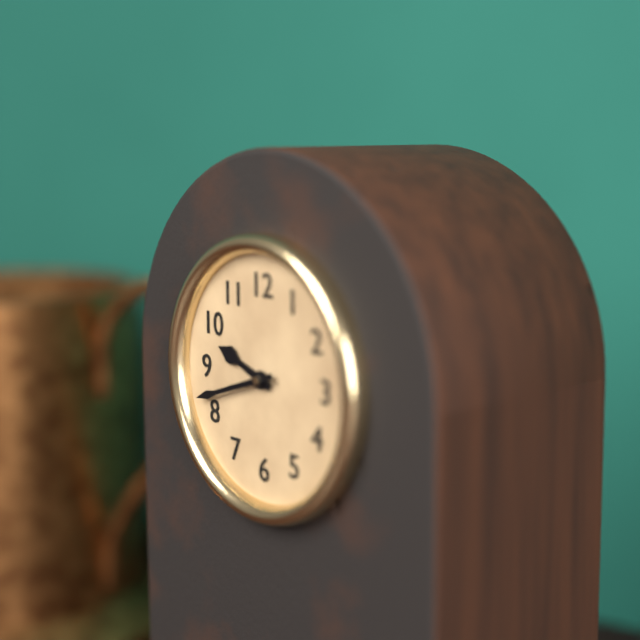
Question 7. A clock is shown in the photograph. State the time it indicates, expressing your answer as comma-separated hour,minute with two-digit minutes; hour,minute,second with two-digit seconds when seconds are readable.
9,42
